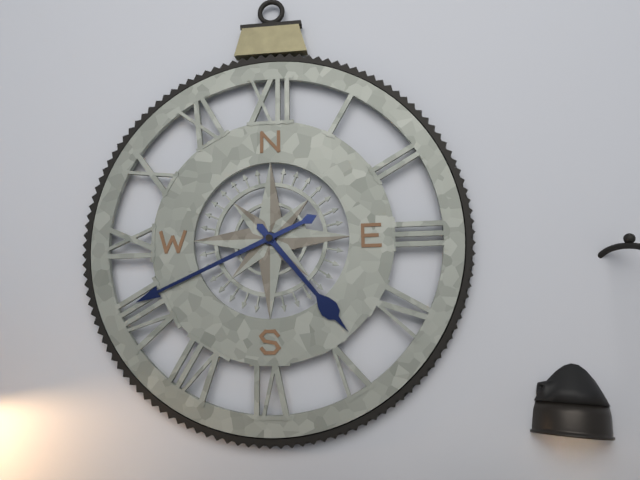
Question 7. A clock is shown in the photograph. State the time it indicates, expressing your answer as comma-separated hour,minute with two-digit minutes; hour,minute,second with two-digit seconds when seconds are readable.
4,41
